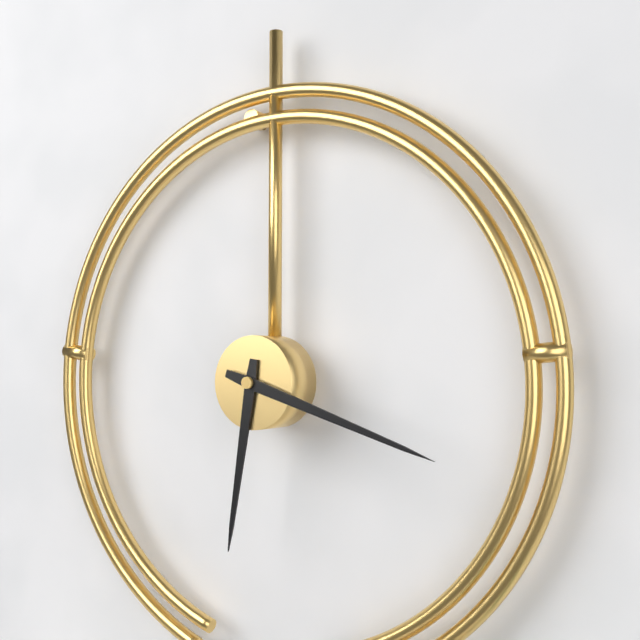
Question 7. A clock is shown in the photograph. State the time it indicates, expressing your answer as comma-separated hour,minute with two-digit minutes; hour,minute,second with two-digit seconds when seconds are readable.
6,18
